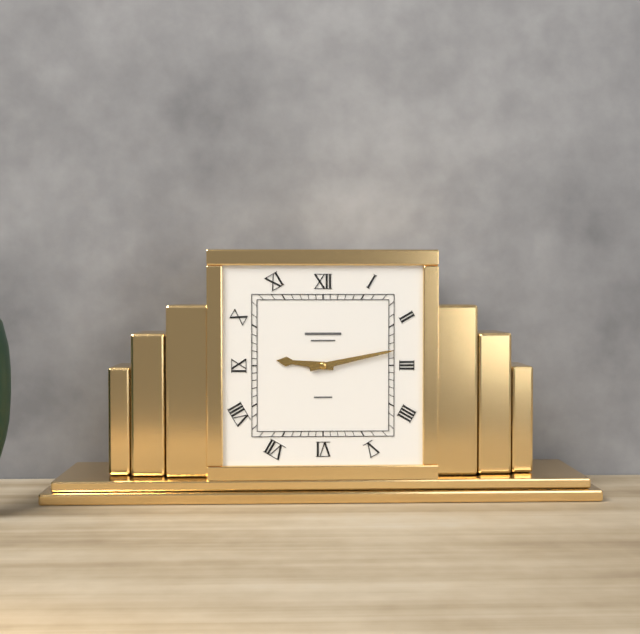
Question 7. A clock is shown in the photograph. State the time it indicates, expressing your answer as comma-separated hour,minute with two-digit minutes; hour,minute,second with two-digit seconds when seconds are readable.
9,13
